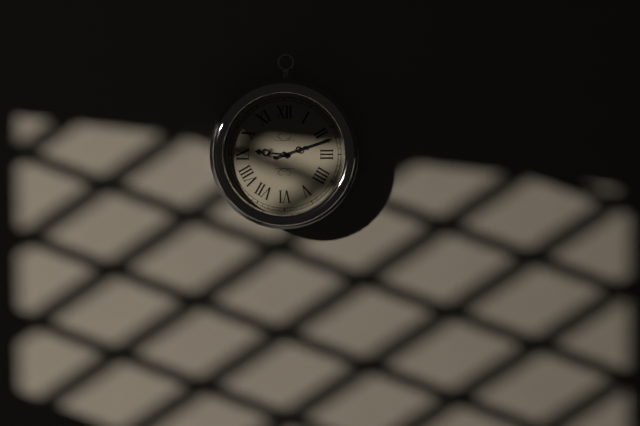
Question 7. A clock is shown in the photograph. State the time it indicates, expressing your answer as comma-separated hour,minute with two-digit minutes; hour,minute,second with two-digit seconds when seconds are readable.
9,12
